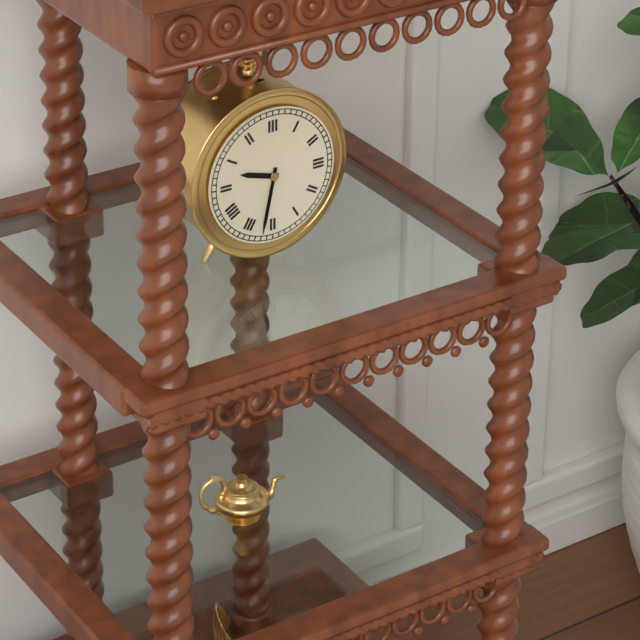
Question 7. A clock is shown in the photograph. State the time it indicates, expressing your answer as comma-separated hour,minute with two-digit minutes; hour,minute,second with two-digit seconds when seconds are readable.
9,32
